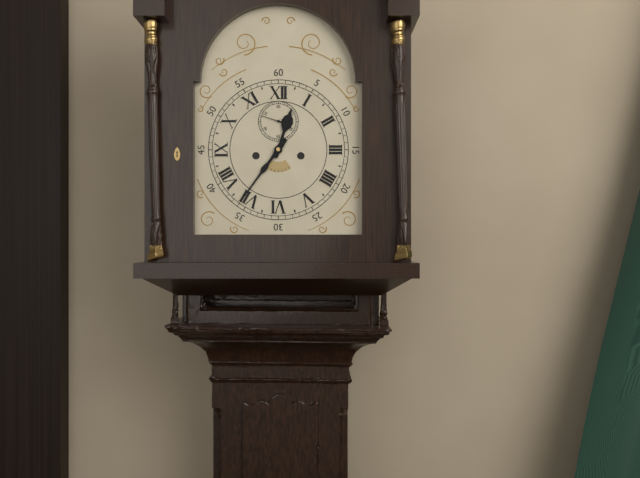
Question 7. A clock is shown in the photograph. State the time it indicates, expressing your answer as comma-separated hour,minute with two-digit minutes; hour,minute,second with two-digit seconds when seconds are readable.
12,36
